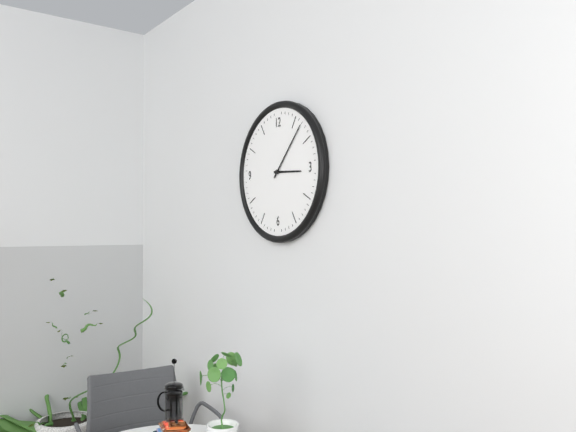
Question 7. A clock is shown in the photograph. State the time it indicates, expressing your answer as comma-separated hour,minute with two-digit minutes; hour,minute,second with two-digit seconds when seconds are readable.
3,07
